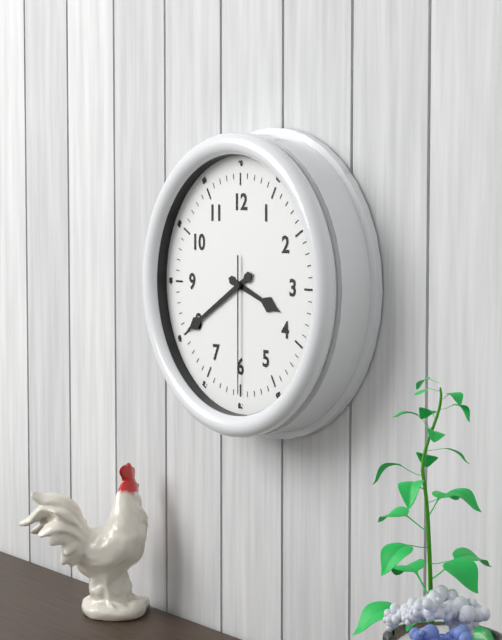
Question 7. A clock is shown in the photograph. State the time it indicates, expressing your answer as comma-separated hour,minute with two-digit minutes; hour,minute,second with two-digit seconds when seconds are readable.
3,40,30
